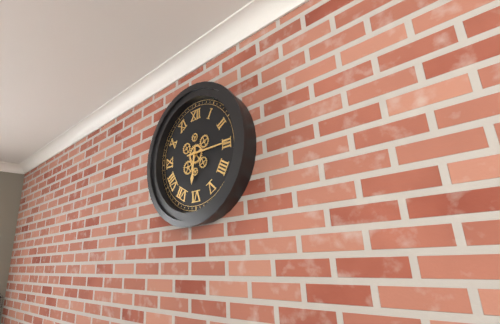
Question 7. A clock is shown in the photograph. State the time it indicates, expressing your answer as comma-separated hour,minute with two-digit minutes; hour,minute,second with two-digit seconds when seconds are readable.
6,15
